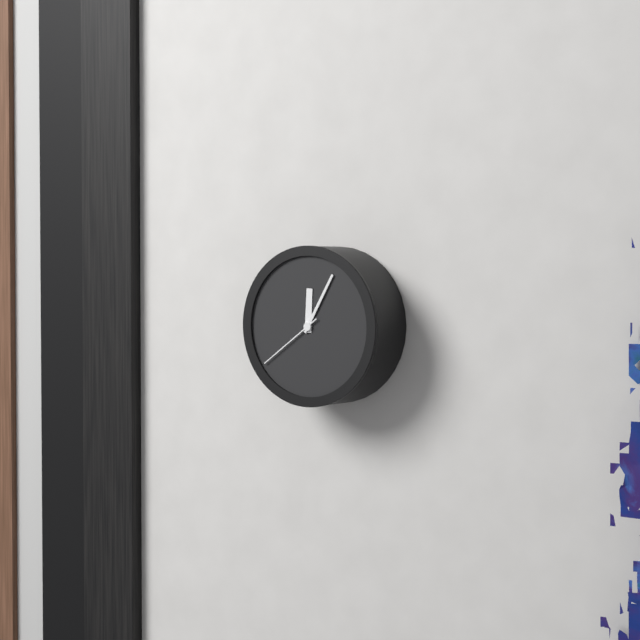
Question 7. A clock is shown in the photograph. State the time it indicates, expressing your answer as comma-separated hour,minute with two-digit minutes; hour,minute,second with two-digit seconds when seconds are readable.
12,05,39
